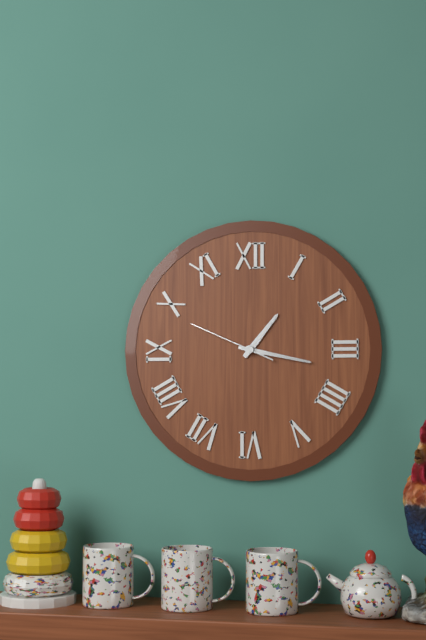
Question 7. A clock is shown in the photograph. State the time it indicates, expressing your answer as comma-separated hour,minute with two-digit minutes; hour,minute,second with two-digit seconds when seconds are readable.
1,17,49
